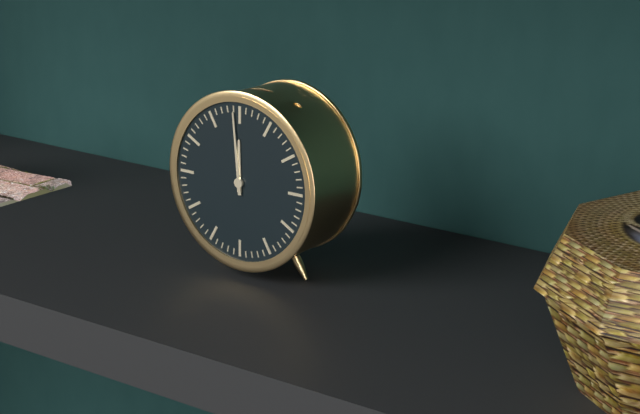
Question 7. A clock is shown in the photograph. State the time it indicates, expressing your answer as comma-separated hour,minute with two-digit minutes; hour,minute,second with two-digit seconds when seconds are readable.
11,59
